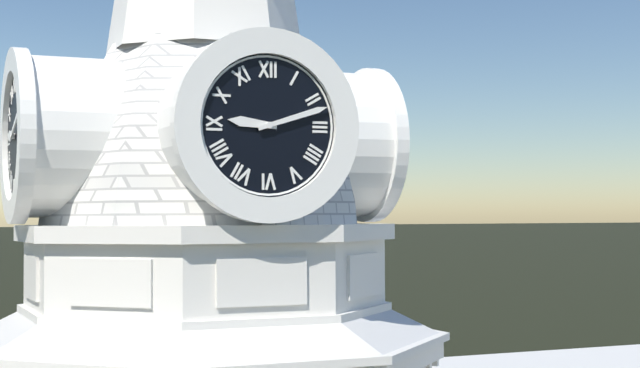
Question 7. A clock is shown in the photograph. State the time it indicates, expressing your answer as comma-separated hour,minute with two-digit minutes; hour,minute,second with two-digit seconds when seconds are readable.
9,12
